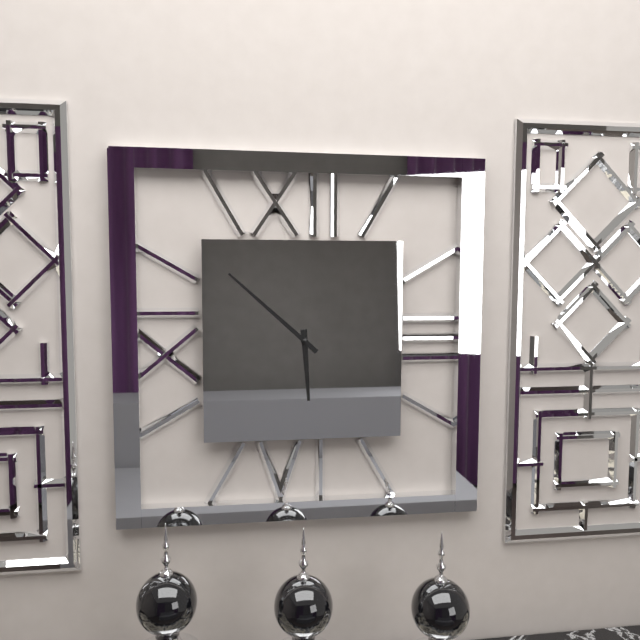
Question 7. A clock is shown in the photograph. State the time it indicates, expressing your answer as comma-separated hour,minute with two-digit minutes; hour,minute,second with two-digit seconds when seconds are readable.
5,52
